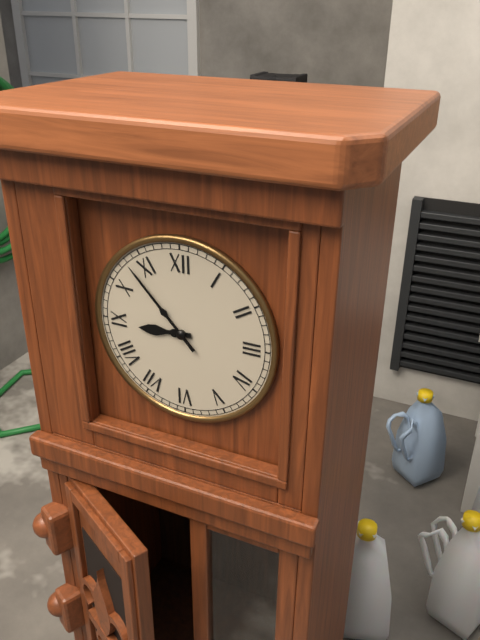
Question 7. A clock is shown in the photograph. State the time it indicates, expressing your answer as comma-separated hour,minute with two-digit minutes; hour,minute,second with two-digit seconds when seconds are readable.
8,53
